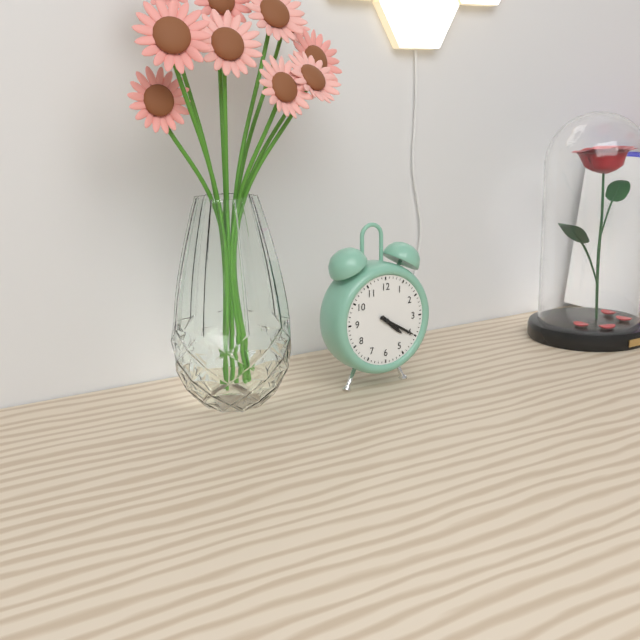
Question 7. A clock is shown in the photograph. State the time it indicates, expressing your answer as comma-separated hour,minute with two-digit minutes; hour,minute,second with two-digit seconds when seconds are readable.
4,20
